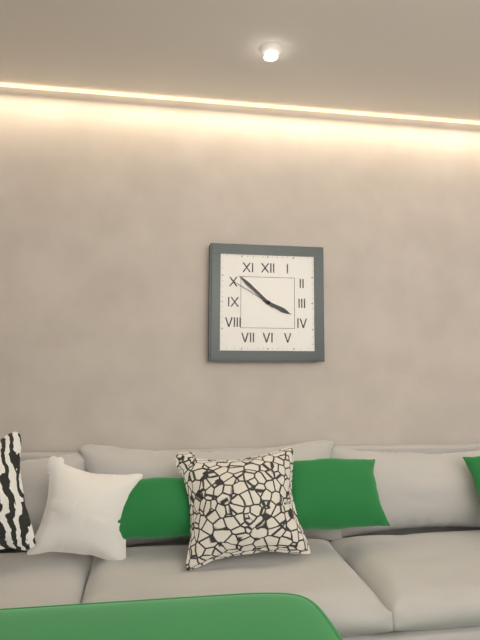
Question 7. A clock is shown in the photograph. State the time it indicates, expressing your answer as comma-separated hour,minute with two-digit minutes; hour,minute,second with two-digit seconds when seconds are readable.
3,52,50
